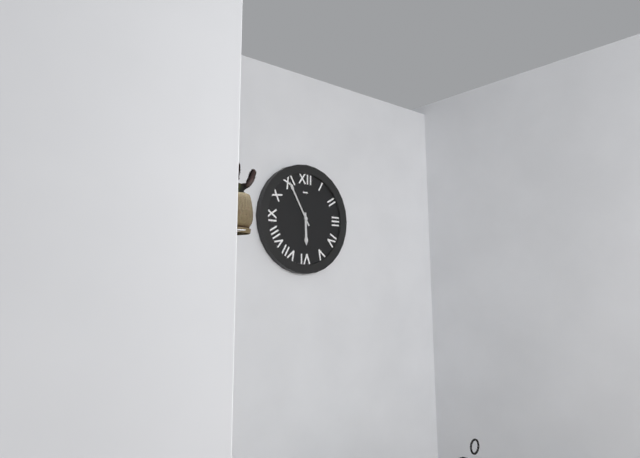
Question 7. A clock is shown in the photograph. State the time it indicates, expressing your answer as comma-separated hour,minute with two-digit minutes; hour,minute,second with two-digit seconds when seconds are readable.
5,55
